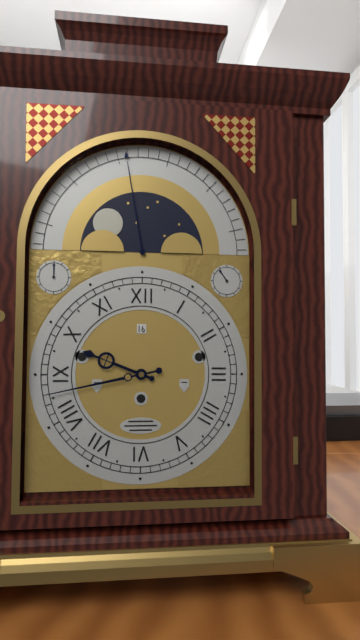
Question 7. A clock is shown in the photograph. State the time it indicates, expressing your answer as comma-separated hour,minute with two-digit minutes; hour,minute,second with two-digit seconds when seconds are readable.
9,43
